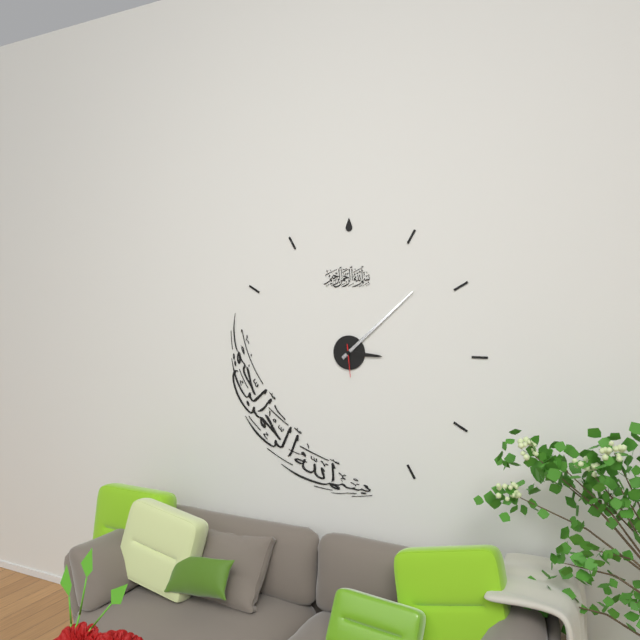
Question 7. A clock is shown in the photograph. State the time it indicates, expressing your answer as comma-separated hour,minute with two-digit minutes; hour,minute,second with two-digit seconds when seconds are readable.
3,08
